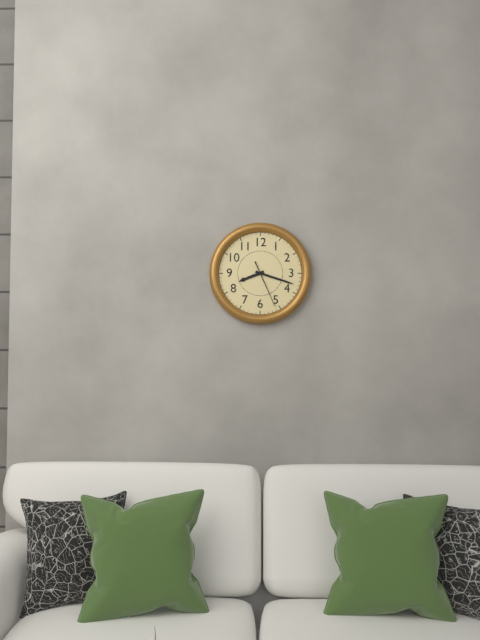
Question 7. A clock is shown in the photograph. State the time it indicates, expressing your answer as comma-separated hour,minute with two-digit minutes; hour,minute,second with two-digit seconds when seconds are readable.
8,18
